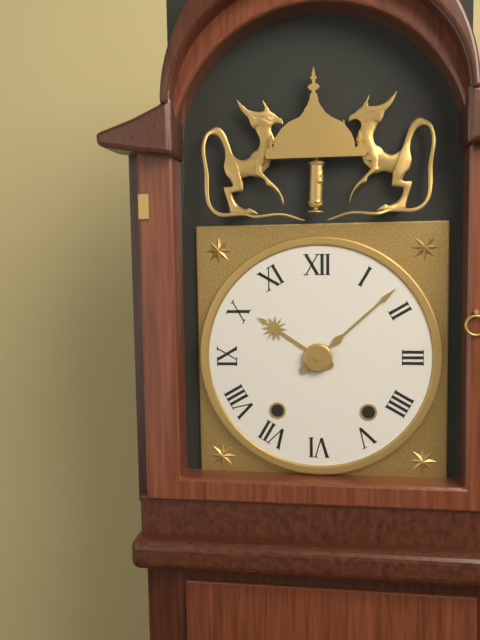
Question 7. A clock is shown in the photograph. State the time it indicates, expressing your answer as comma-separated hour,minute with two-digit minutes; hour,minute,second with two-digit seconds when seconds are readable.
10,08
